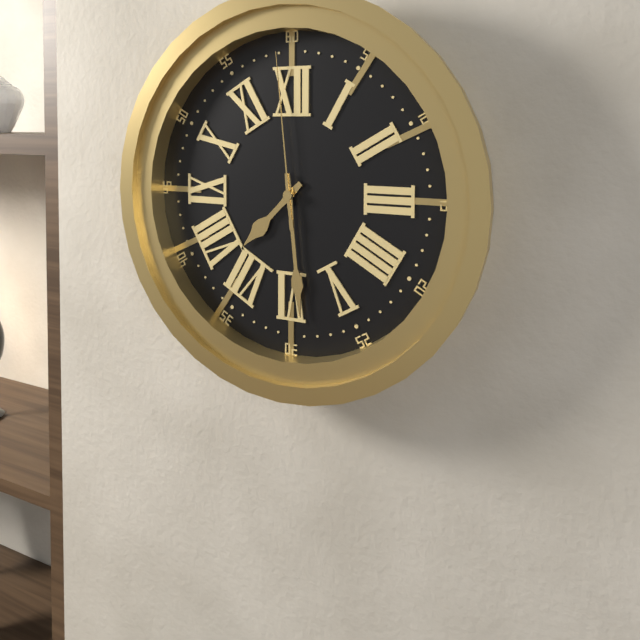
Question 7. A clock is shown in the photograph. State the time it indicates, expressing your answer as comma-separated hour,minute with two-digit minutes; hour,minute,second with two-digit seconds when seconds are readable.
7,29,59
